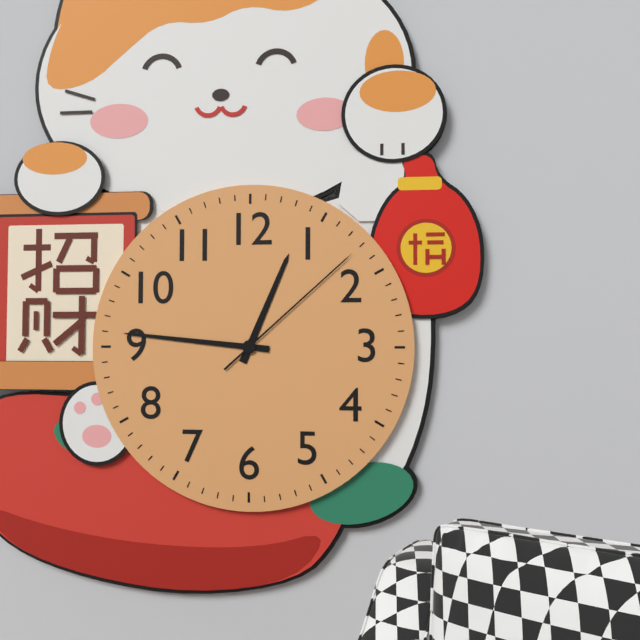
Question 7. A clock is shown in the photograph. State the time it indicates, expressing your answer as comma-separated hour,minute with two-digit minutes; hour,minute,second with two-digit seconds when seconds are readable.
12,46,08
